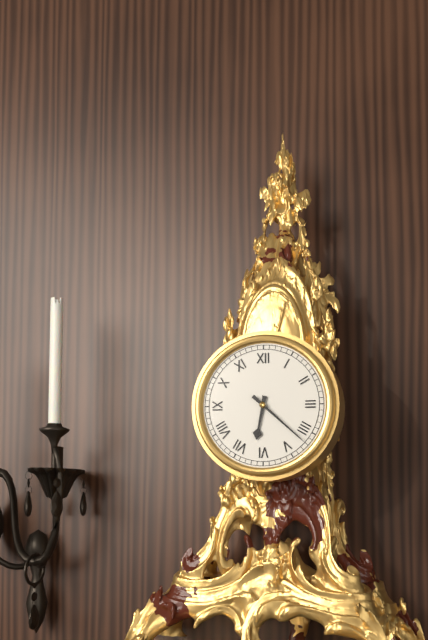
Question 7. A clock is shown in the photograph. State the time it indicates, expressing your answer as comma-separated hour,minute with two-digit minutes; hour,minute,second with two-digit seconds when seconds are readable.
6,22
